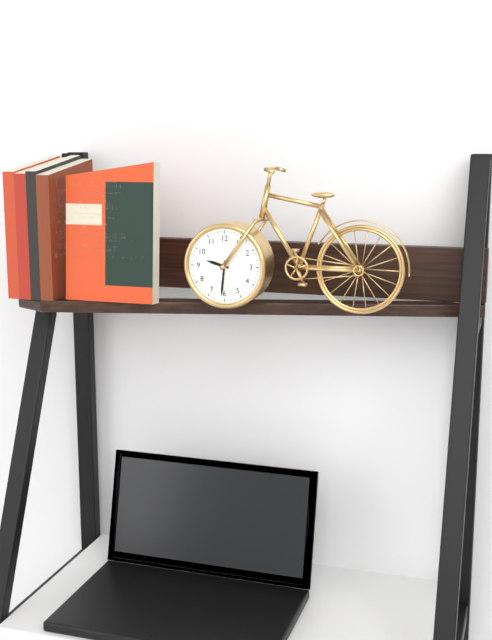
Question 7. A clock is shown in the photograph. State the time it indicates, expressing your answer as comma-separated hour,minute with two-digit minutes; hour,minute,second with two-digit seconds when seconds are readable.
9,31
